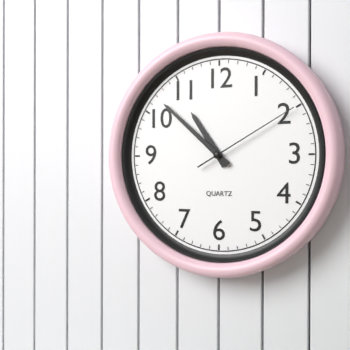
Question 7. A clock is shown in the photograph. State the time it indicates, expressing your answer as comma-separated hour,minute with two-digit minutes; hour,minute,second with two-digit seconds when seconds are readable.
10,52,10
